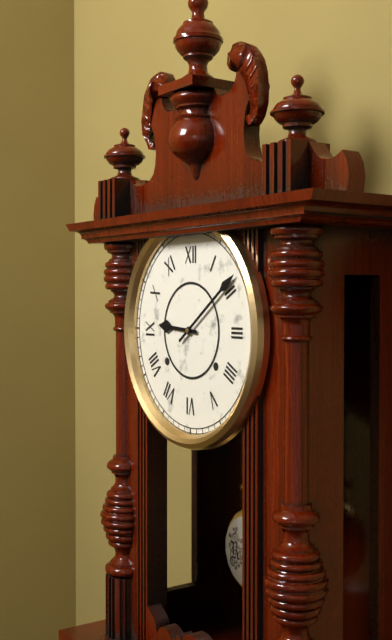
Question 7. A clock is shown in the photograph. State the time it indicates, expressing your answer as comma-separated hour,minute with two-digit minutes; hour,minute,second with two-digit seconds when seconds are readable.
9,09
